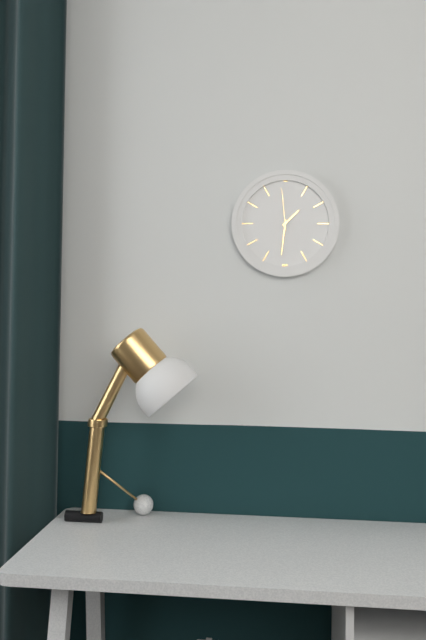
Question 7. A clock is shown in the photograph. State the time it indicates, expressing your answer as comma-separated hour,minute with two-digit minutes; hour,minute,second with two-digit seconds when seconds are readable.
1,31
